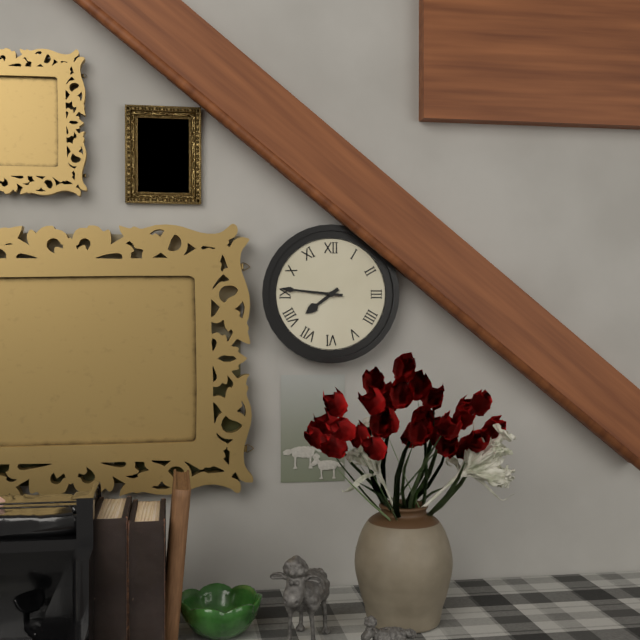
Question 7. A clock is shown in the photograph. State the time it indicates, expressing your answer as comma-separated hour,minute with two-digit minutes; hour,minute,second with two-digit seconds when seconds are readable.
7,46
